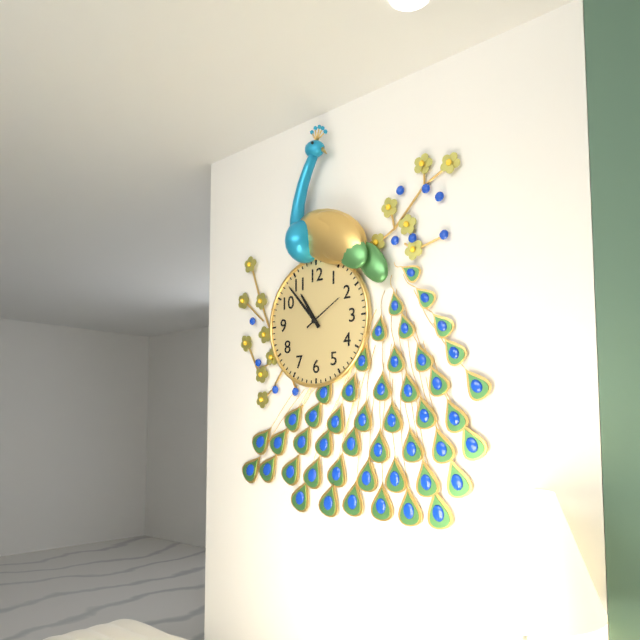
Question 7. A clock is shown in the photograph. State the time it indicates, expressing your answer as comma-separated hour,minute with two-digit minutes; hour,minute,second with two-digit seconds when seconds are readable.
10,53
